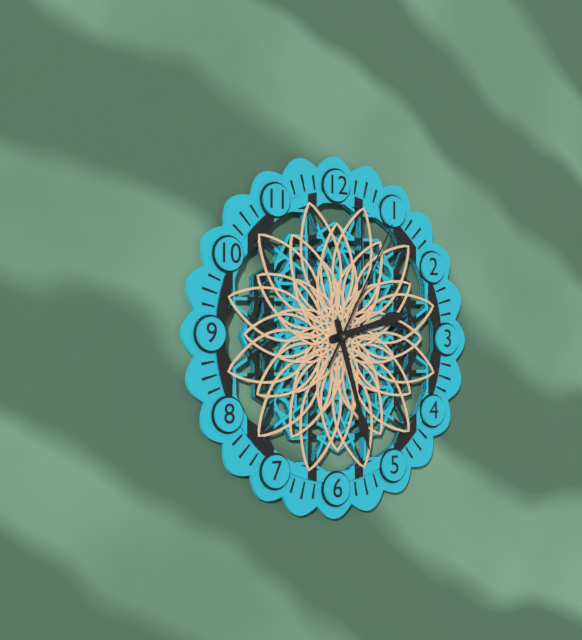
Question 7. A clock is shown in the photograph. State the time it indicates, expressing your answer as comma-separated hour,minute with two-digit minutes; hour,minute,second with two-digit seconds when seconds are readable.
2,27,05
